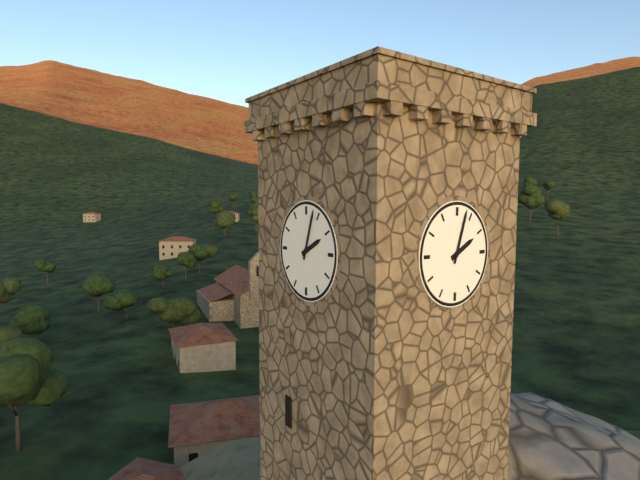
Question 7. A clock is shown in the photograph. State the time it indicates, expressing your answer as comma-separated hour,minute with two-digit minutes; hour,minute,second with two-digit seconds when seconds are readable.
2,03
